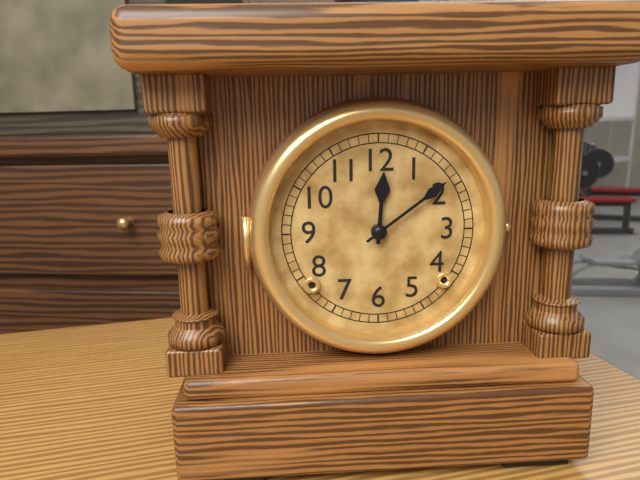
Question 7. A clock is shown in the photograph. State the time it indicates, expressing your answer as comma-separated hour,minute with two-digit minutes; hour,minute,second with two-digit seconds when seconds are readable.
12,09
